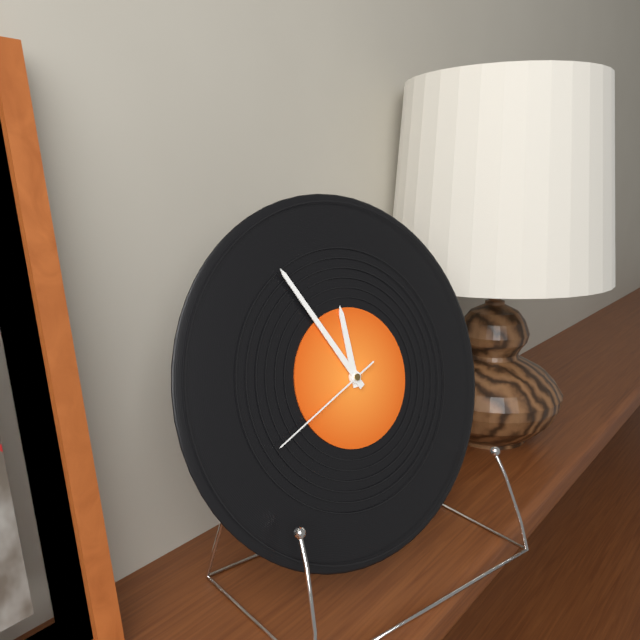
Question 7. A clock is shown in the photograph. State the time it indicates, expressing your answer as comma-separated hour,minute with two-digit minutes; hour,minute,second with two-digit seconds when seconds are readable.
11,55,41
